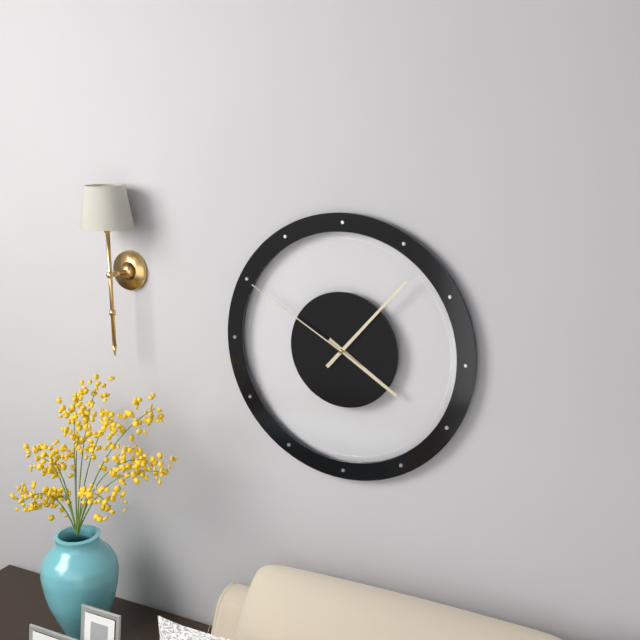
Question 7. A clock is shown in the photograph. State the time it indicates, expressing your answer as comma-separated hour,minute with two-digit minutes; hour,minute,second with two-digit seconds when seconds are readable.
4,07,50
